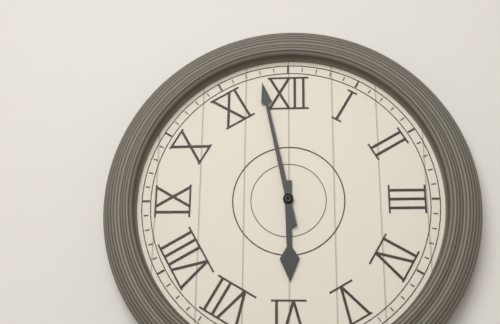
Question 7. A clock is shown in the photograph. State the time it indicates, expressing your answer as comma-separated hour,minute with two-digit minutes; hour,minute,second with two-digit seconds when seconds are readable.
5,58
